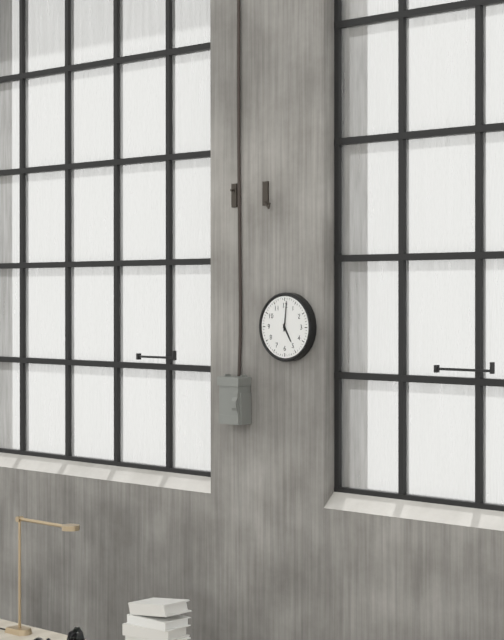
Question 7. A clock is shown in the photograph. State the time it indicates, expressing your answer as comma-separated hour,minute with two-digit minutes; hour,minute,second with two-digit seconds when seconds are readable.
5,01
